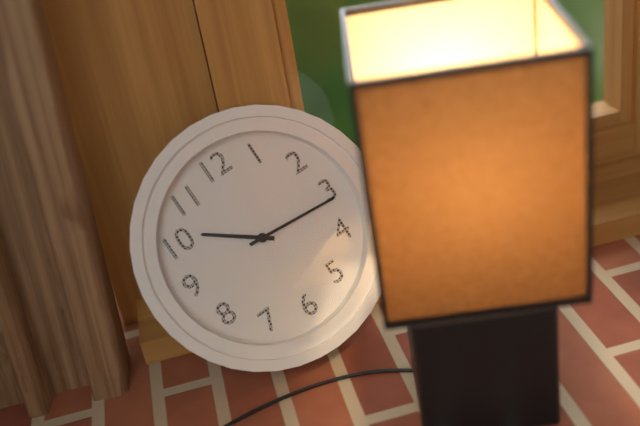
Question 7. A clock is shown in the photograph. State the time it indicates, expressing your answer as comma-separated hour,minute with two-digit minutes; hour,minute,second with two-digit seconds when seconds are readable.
10,16
